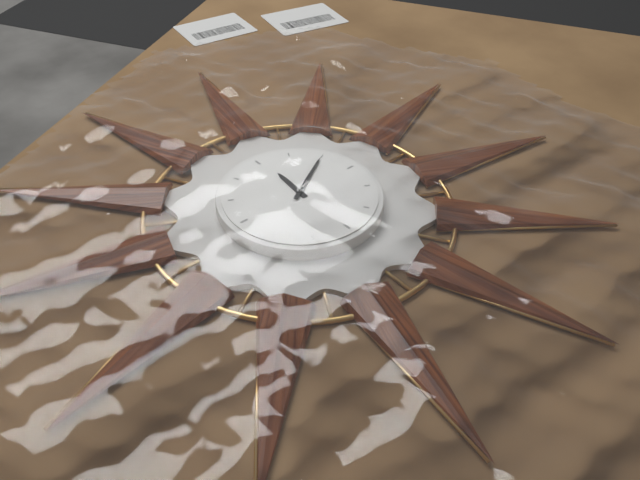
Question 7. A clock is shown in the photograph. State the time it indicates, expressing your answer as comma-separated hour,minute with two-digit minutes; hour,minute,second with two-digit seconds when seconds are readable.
12,10
